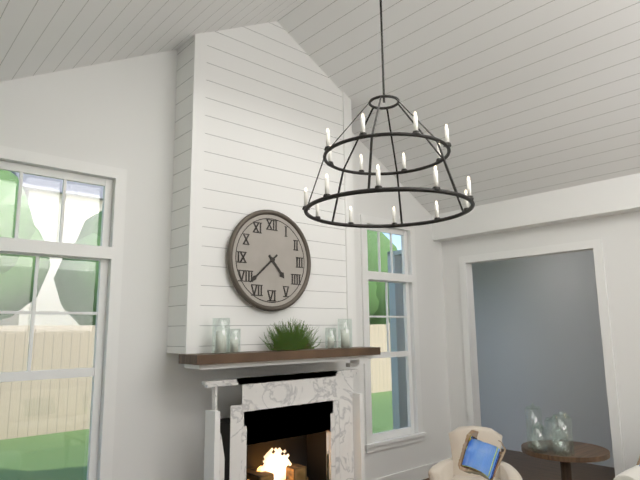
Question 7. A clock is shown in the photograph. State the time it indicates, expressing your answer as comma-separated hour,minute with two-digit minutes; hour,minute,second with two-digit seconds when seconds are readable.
4,38
